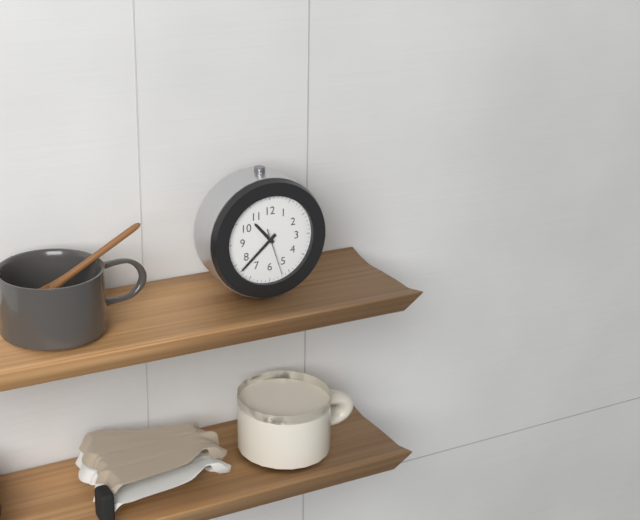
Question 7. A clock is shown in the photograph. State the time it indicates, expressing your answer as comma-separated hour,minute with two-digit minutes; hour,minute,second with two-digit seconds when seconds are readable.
10,38
